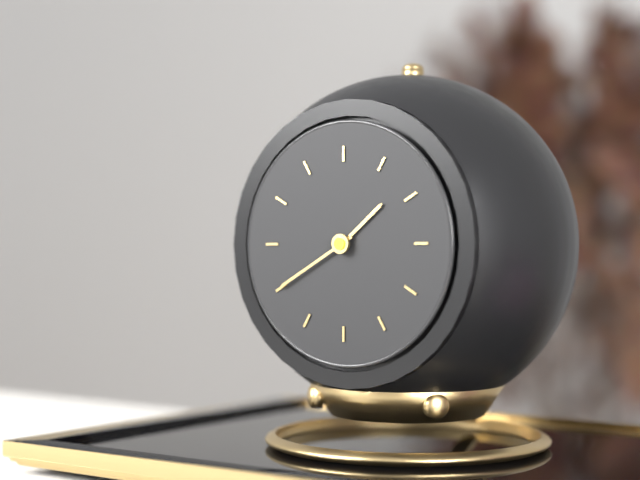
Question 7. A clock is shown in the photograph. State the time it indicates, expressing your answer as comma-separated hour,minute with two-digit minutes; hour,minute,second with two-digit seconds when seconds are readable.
1,40
